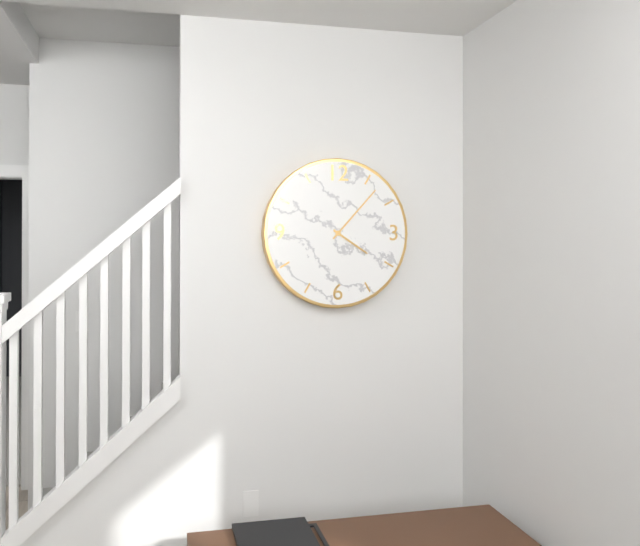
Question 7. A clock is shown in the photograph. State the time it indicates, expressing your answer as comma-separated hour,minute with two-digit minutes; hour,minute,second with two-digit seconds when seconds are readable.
4,07
